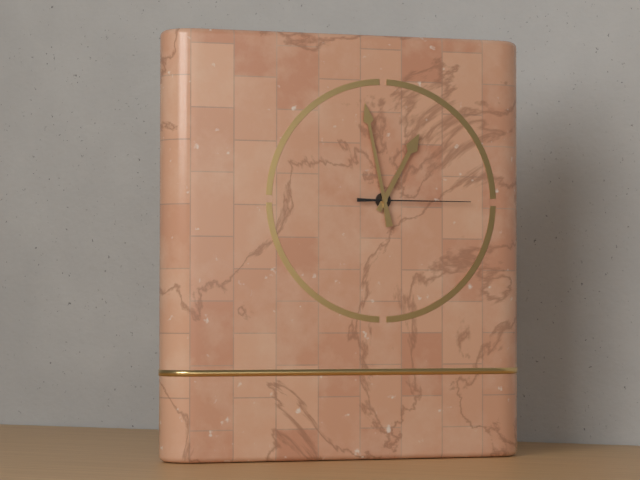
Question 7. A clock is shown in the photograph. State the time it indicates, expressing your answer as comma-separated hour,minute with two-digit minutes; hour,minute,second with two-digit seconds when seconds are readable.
12,58,15
